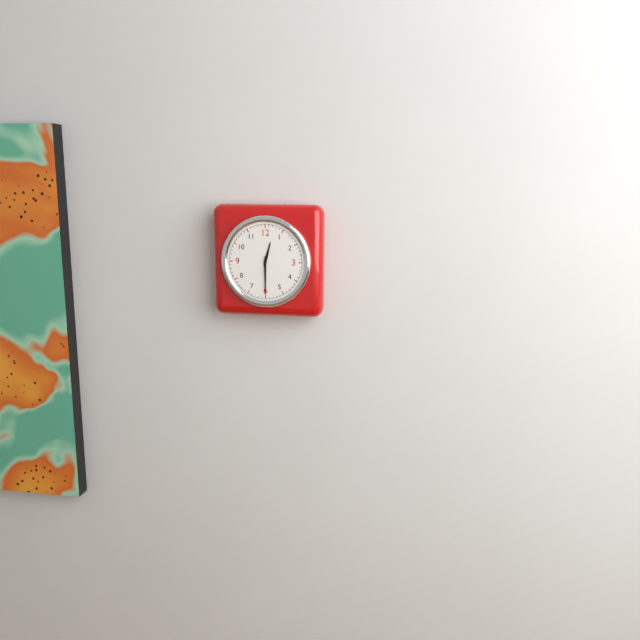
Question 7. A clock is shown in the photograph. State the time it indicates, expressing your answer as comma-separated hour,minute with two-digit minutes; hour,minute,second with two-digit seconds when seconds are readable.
12,30
